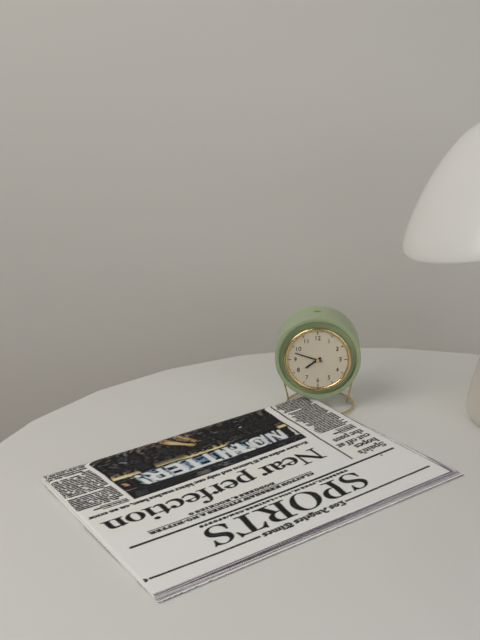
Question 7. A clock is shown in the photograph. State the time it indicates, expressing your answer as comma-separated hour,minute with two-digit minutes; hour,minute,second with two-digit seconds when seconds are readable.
7,48
